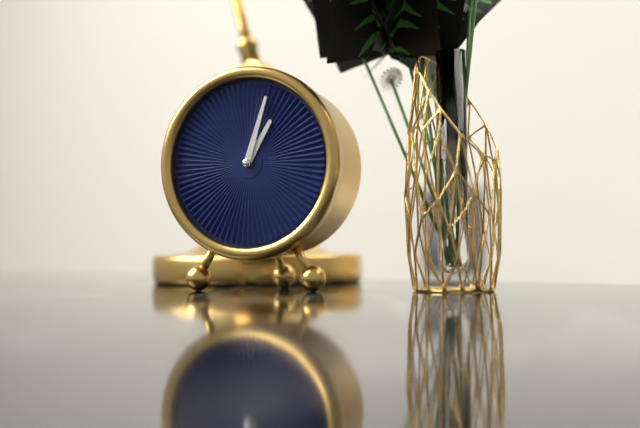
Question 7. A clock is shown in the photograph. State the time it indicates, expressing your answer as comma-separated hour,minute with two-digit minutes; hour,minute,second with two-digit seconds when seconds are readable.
1,03
